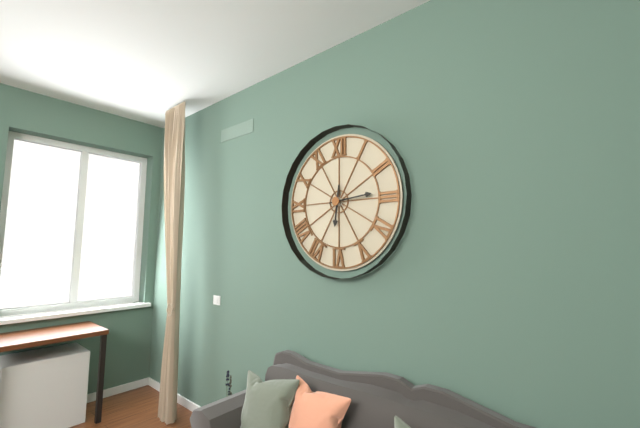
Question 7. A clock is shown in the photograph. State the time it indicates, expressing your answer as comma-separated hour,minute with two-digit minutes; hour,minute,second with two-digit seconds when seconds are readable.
6,14
